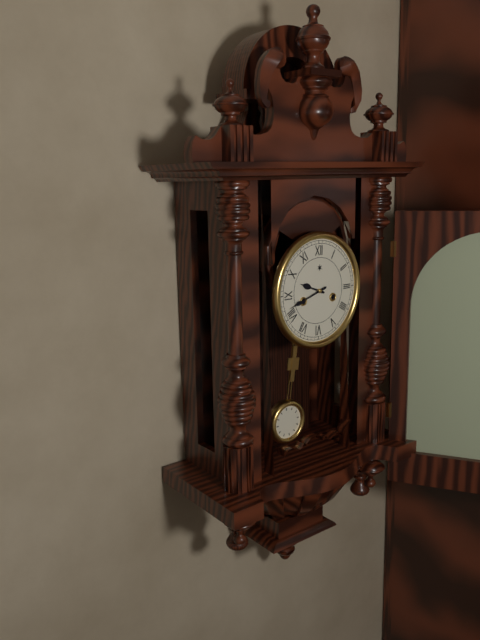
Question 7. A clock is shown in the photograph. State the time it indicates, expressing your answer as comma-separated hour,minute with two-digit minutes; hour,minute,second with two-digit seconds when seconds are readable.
9,42
